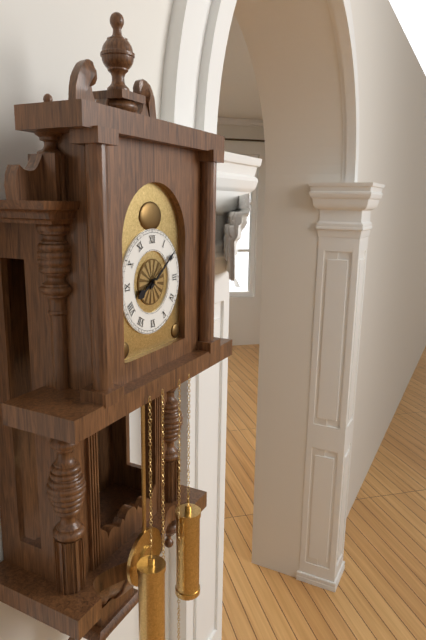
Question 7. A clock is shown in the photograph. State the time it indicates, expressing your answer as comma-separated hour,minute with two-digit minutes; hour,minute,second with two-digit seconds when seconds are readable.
8,09
